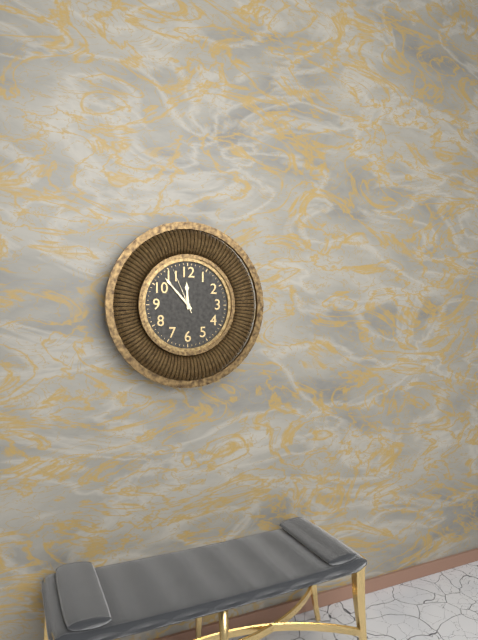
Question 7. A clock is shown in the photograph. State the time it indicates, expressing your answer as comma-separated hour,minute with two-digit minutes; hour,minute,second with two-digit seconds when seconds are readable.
11,53
